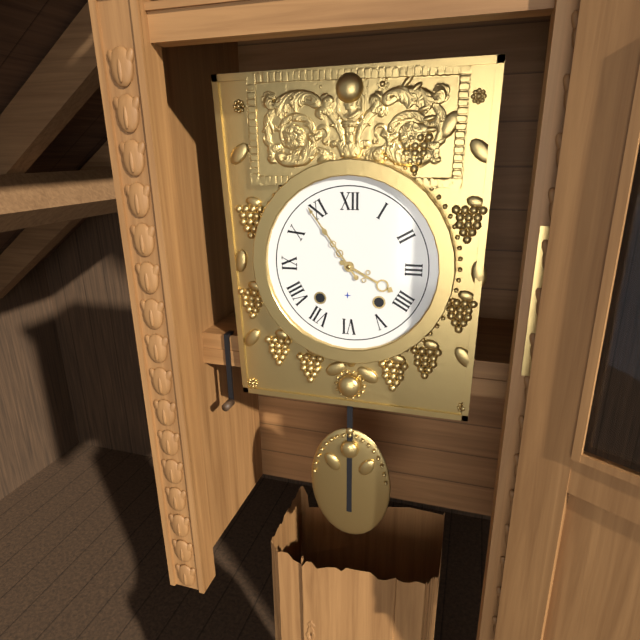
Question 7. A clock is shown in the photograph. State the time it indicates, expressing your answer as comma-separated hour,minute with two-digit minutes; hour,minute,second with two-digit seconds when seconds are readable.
3,54
